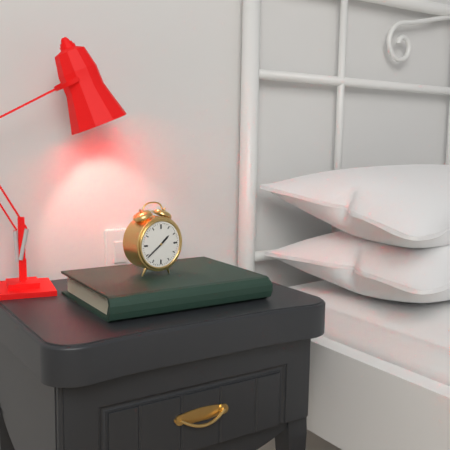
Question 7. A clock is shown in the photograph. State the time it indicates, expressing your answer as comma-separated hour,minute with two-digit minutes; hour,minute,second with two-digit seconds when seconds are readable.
1,39
